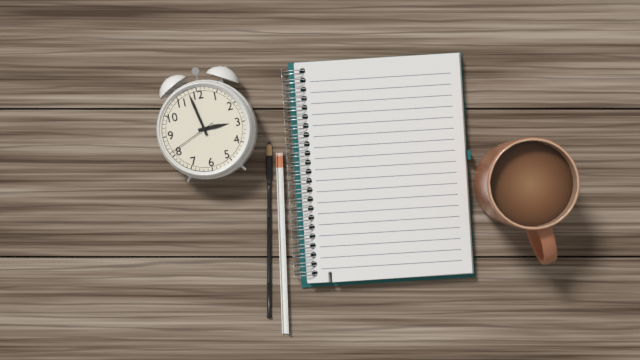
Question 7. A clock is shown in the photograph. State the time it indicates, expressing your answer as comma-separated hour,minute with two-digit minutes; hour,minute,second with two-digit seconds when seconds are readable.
2,58
